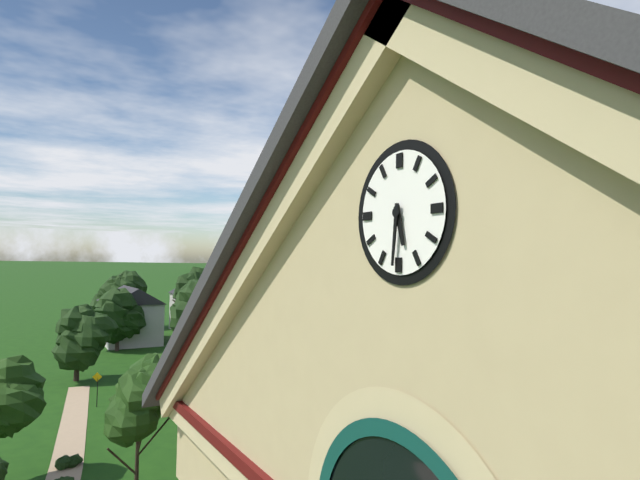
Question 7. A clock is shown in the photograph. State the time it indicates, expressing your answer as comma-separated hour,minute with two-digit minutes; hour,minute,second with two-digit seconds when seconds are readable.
5,31
